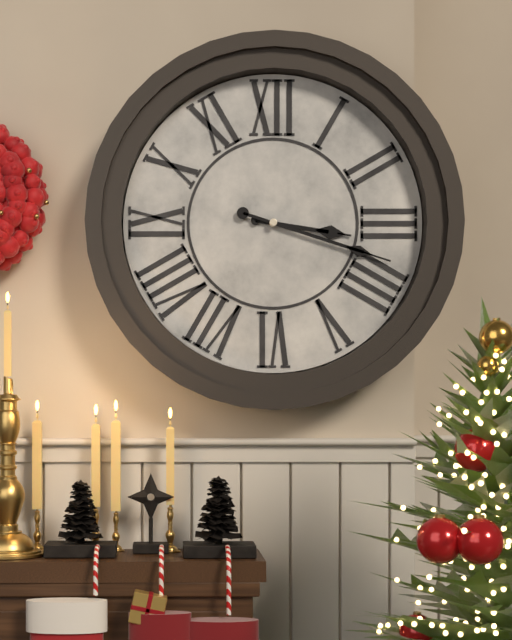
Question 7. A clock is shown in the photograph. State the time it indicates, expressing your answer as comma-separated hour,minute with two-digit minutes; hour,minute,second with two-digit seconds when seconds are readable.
3,18
